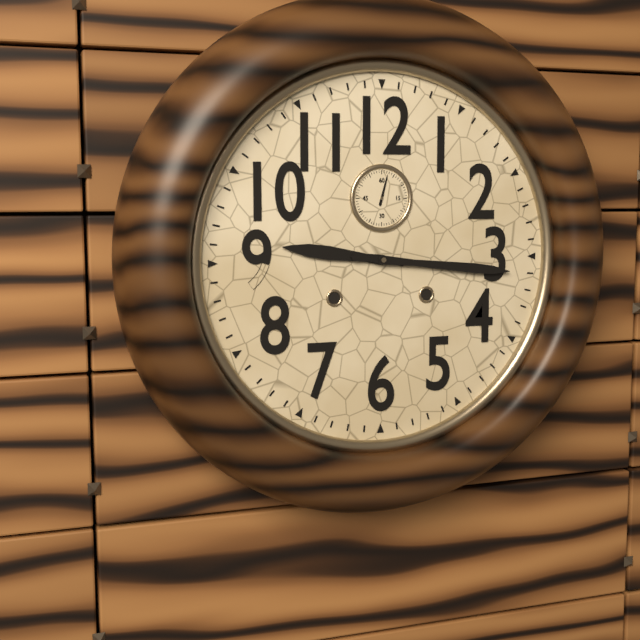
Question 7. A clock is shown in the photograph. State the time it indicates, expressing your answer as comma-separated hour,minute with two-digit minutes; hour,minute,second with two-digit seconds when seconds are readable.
9,16
